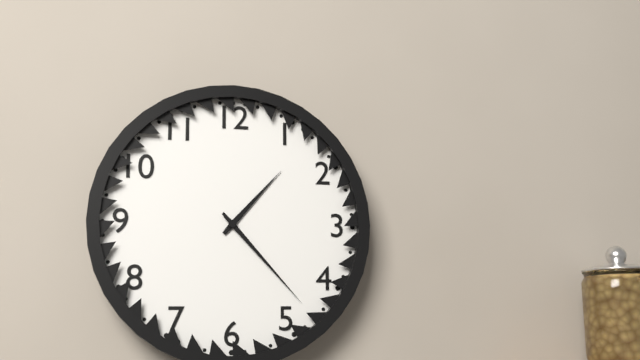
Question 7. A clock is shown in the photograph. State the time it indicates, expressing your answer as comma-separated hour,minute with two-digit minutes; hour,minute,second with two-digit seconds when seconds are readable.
1,23
